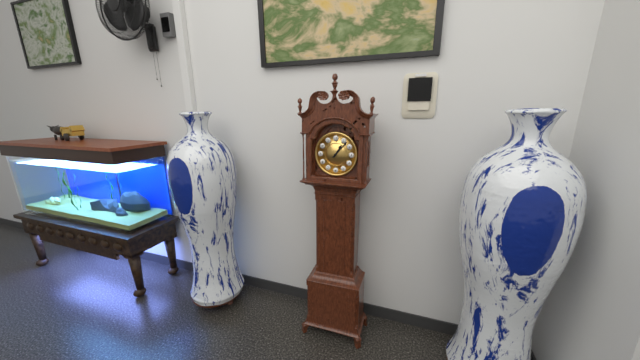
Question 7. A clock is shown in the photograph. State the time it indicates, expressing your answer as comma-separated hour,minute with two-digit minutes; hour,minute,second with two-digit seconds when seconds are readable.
1,07
